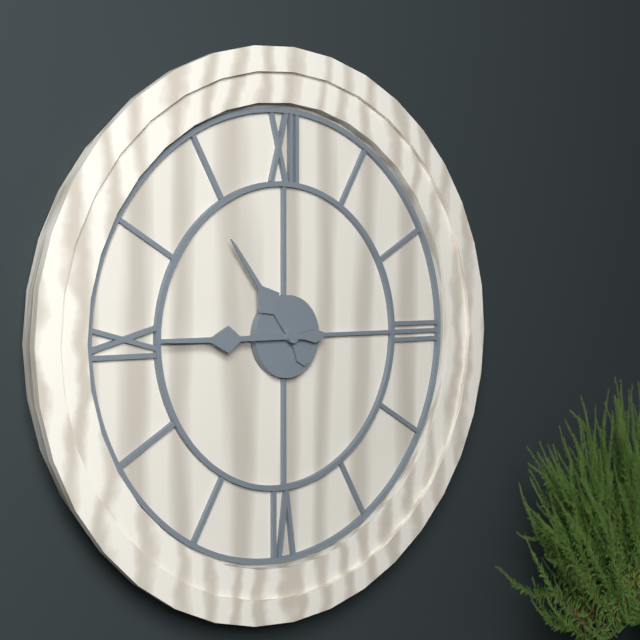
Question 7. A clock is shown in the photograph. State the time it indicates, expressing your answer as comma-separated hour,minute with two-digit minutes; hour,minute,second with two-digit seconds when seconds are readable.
10,45
